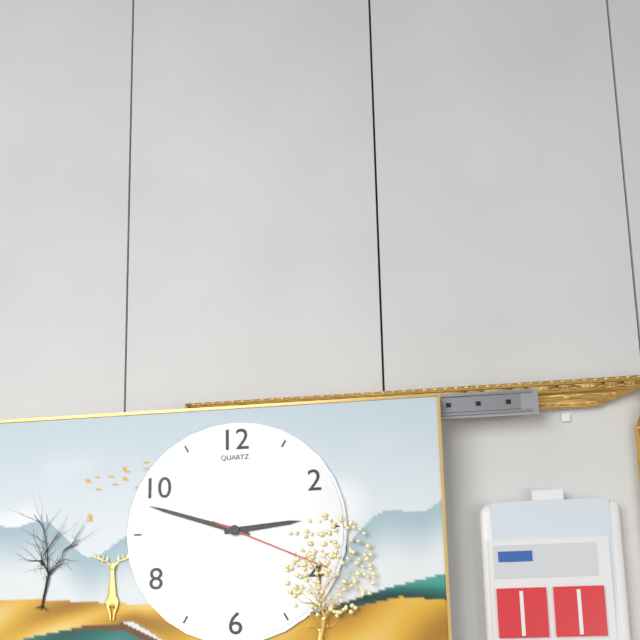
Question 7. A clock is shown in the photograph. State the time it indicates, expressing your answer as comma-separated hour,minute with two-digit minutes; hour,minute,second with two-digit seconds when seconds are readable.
2,48,19
